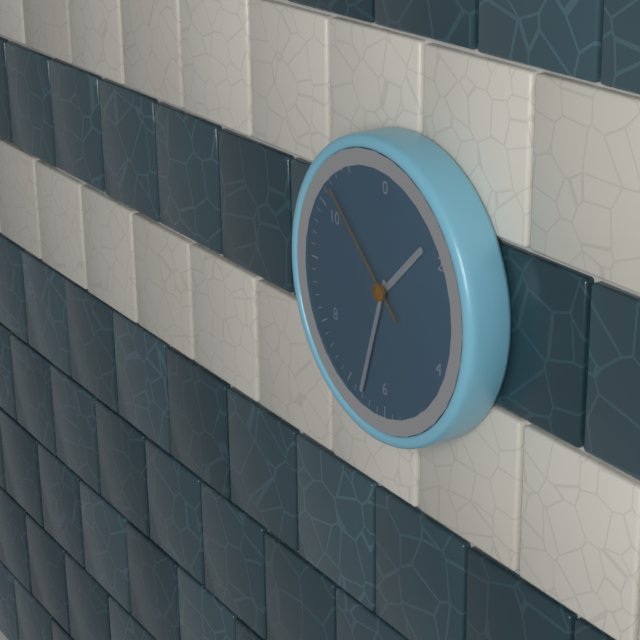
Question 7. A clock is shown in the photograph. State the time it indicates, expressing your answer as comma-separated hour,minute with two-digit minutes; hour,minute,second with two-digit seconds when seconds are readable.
1,33,52
